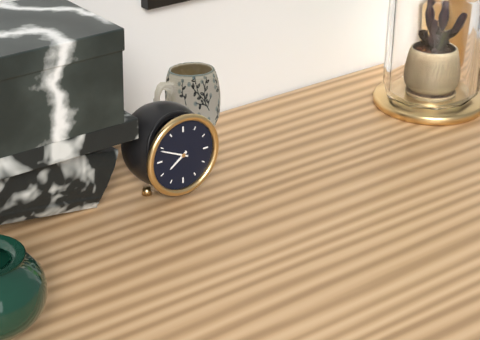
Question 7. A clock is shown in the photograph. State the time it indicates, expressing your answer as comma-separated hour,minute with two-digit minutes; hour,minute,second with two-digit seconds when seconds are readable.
7,49
